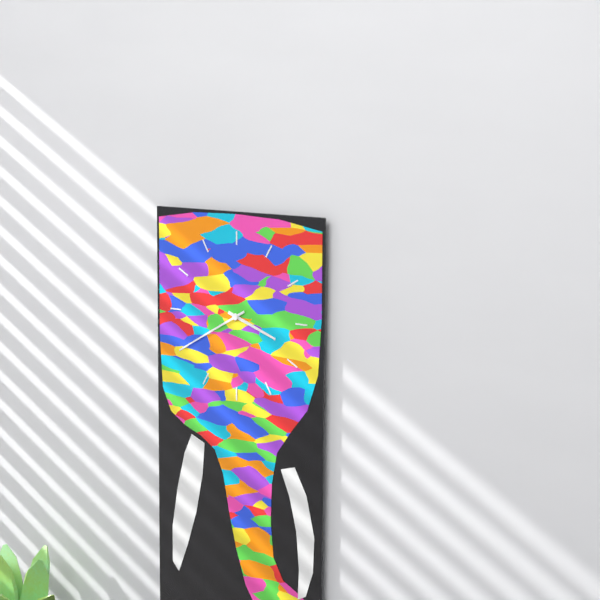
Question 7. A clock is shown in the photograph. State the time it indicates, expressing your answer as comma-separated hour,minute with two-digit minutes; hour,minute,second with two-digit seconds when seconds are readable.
3,40
